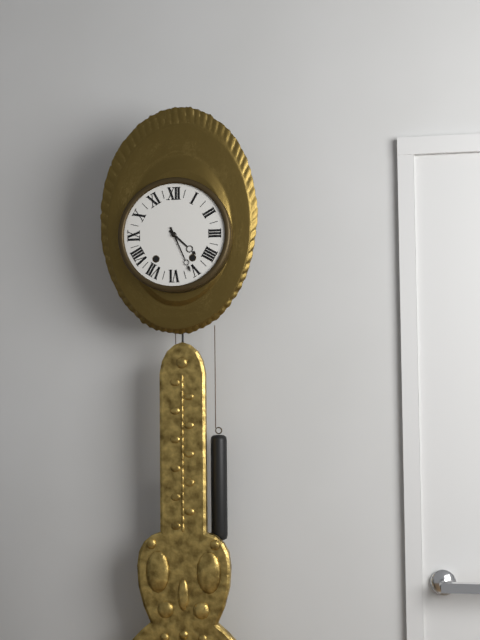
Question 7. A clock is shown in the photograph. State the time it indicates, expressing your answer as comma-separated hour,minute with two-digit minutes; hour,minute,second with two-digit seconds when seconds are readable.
4,26
